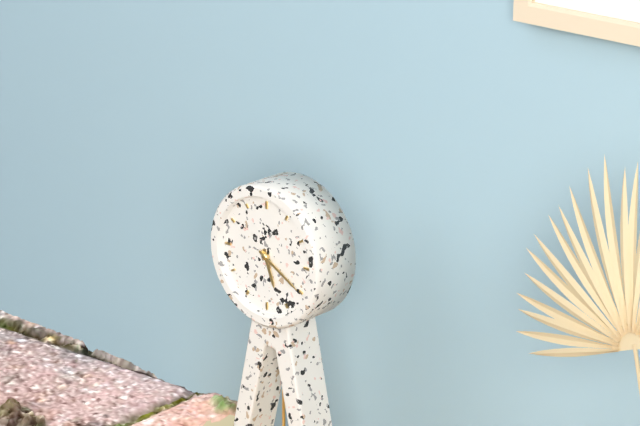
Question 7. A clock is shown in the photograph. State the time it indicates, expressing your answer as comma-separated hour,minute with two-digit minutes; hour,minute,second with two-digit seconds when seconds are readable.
5,20
